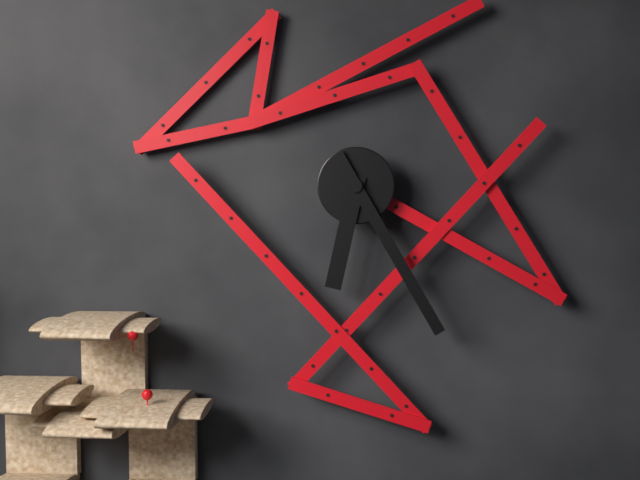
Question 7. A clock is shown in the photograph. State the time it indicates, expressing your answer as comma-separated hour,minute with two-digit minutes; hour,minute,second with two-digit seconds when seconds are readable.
6,25
